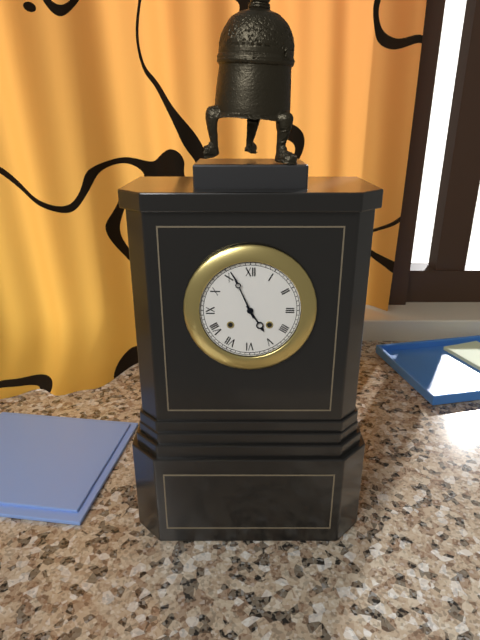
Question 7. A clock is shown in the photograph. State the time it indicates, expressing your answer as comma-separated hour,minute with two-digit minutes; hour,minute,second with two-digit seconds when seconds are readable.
4,56
